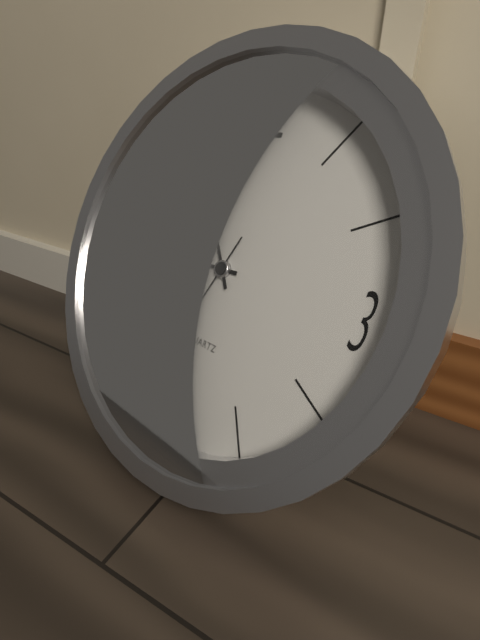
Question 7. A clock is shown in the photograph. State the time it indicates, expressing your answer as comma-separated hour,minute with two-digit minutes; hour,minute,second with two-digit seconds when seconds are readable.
8,54,33
